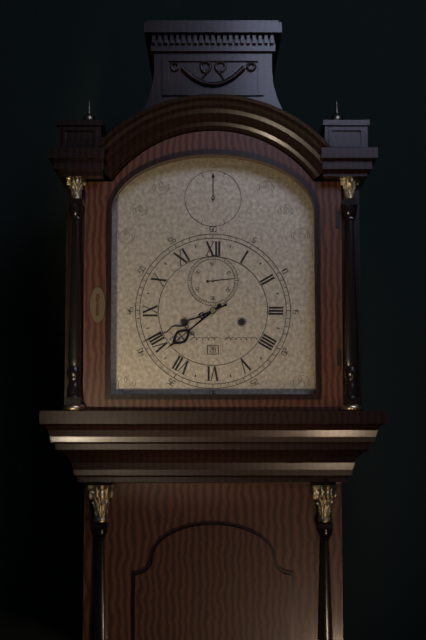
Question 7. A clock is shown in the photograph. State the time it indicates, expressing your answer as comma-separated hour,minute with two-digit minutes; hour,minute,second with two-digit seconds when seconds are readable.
7,41
